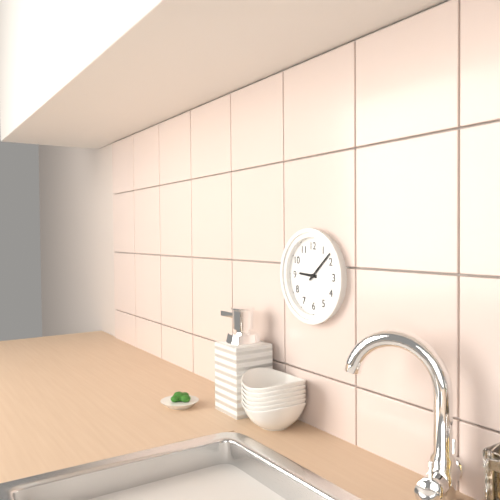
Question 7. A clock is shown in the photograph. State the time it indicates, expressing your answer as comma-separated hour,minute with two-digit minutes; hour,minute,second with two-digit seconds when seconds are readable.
9,08
